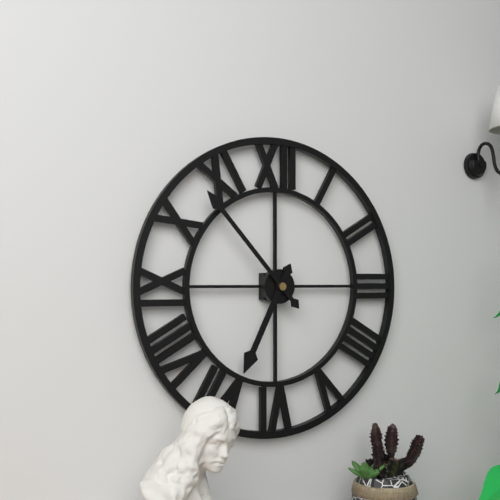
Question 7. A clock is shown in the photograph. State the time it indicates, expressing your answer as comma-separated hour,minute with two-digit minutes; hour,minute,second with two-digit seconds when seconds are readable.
6,53
